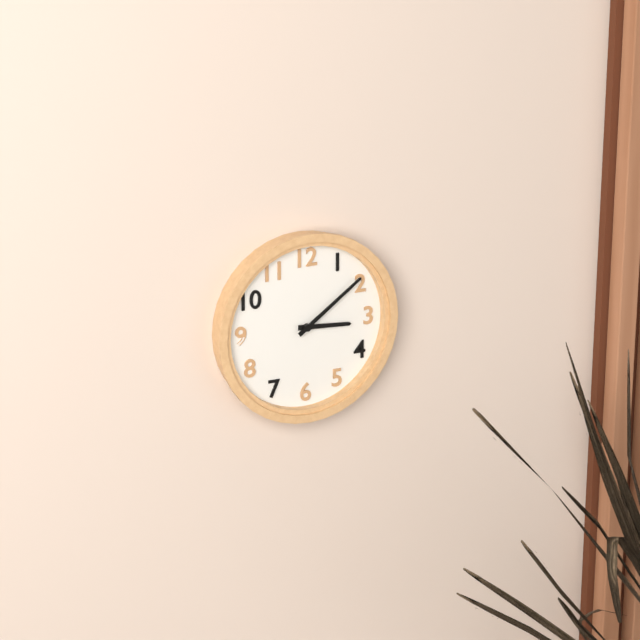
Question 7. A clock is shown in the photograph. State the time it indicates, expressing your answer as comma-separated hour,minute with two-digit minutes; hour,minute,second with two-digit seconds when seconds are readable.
3,09
